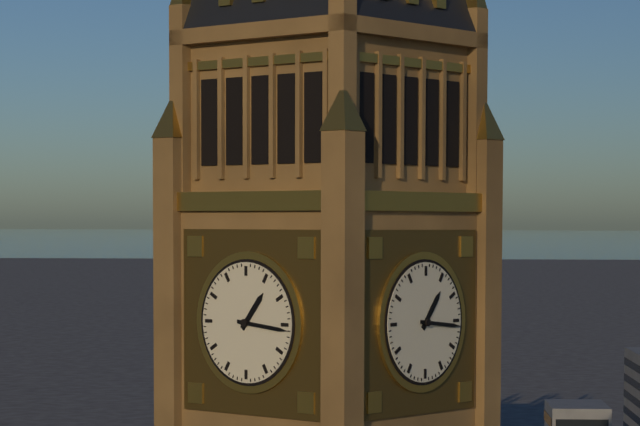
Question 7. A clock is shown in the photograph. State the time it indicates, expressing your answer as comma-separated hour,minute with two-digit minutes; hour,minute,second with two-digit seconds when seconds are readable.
1,16
